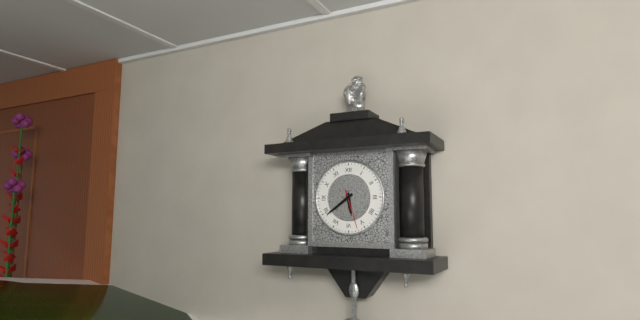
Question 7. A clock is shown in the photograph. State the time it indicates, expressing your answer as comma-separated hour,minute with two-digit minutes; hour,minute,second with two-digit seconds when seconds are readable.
5,39
